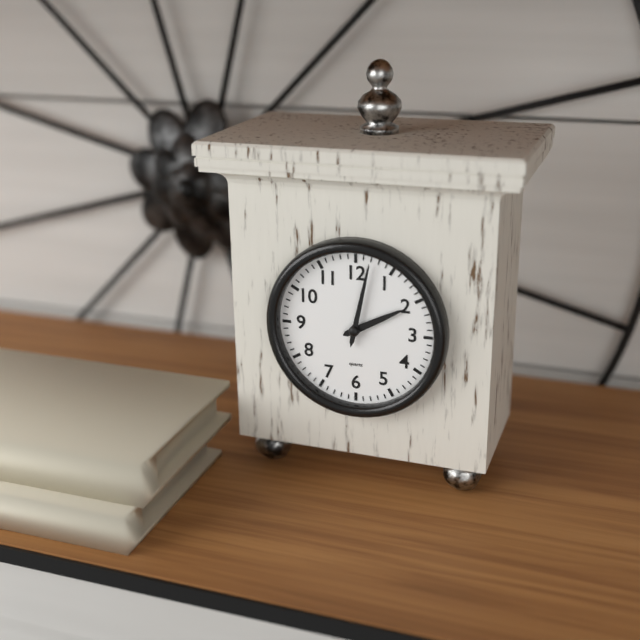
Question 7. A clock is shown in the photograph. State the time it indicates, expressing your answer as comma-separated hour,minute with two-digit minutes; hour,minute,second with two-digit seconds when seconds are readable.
2,02
